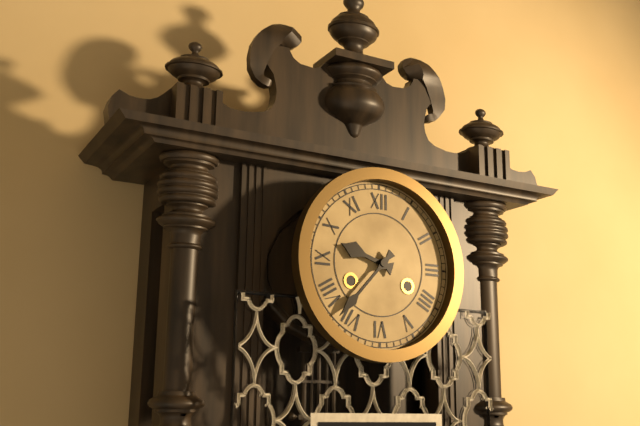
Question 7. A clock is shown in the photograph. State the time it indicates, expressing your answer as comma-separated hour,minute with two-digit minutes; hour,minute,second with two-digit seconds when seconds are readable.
9,37
